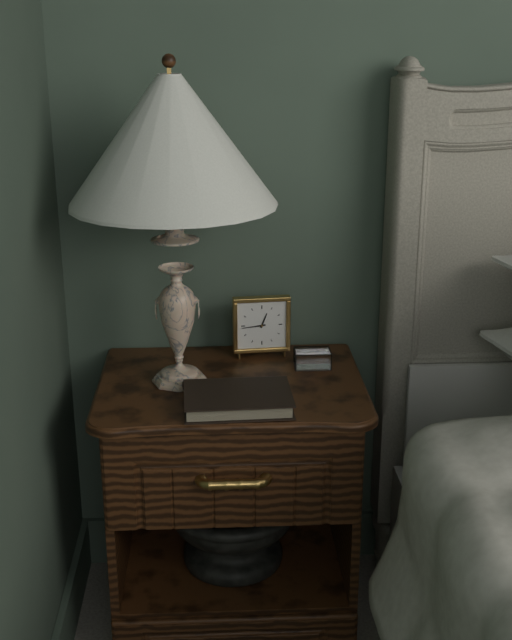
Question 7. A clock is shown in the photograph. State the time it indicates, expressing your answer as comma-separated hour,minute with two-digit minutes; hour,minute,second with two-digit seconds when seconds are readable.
12,44
